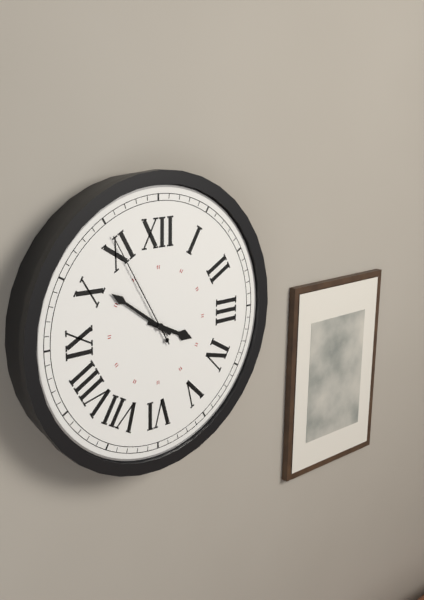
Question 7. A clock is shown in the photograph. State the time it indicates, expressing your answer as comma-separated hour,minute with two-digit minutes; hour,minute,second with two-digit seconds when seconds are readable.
3,51,55
